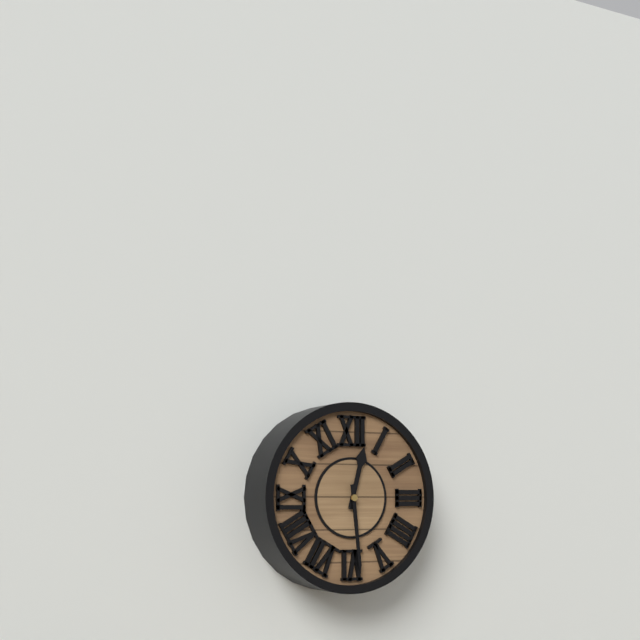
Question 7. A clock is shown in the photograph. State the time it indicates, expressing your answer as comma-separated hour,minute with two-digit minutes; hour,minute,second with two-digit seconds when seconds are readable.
12,29
